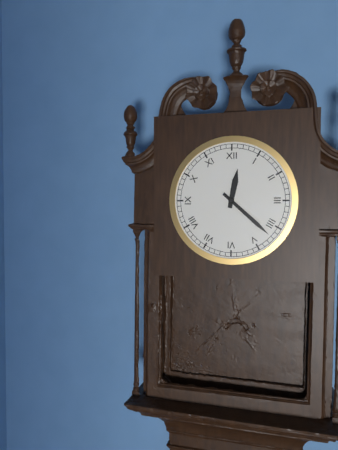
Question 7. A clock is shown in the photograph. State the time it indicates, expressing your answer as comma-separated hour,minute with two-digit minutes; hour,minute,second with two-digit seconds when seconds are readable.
12,22
